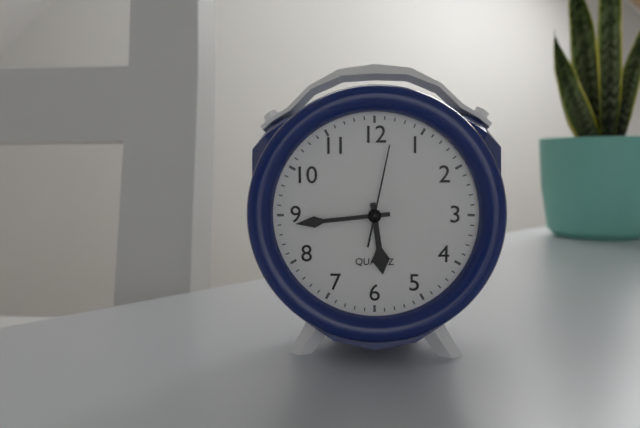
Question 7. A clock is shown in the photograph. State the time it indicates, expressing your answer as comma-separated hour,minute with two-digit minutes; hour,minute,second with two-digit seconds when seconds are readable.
5,44,02
